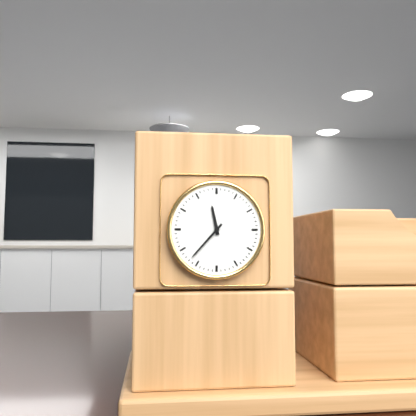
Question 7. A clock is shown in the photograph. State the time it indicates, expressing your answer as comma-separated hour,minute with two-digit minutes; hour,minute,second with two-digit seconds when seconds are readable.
11,37
